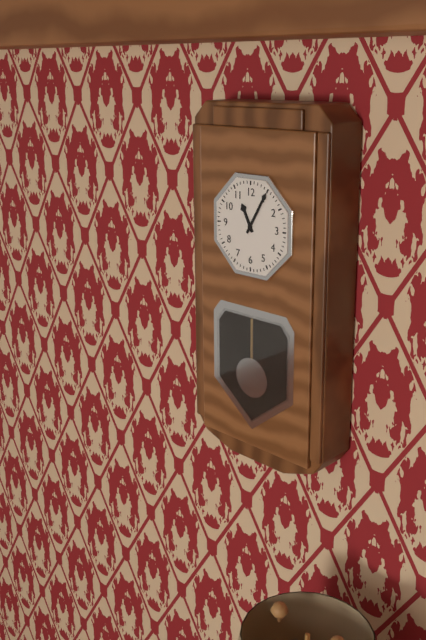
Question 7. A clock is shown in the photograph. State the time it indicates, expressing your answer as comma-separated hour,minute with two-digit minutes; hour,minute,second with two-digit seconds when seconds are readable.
11,05
